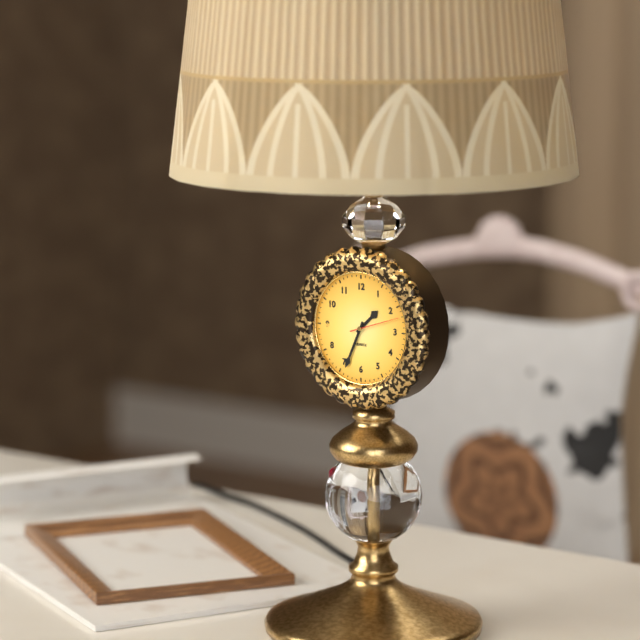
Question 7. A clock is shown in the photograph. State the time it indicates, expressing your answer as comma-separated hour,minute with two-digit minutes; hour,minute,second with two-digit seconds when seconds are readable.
1,34
